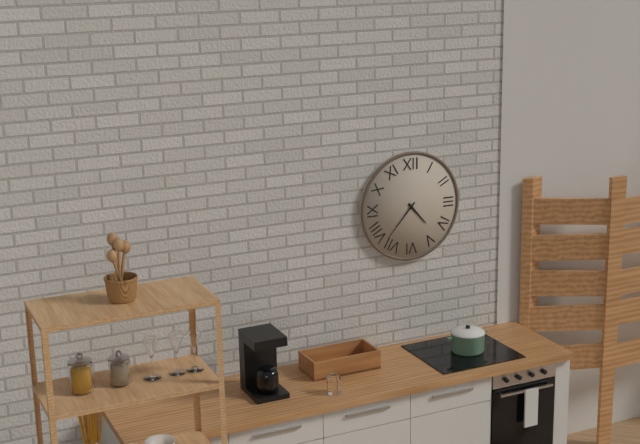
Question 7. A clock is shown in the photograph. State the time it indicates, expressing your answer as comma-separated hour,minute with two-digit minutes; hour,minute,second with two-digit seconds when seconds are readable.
4,37
